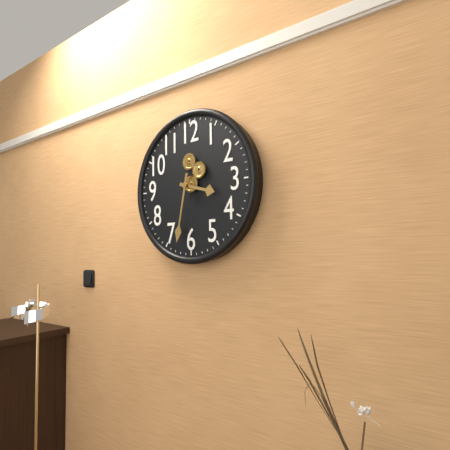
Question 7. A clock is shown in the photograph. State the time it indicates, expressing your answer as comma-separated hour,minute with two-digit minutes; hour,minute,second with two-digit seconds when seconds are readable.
3,32
